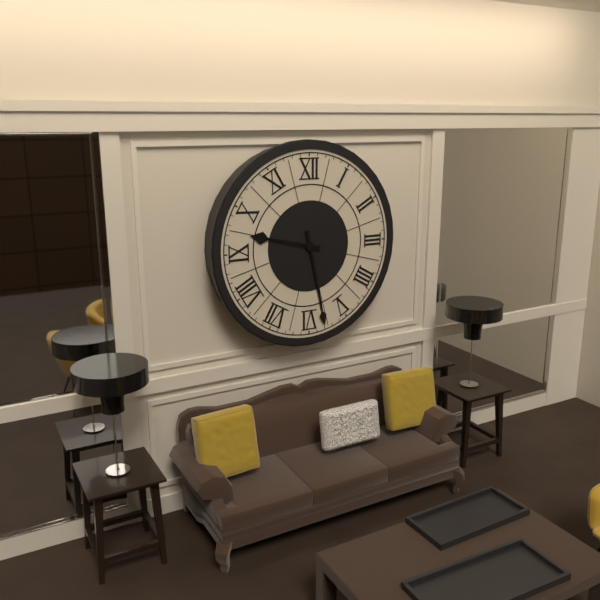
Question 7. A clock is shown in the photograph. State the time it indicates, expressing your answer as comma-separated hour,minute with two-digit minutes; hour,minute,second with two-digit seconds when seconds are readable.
9,28
